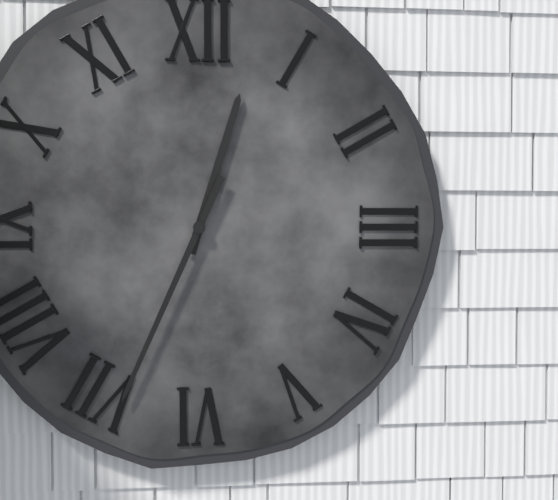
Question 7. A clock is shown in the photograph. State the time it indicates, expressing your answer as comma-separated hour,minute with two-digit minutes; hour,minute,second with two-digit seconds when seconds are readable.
12,34
